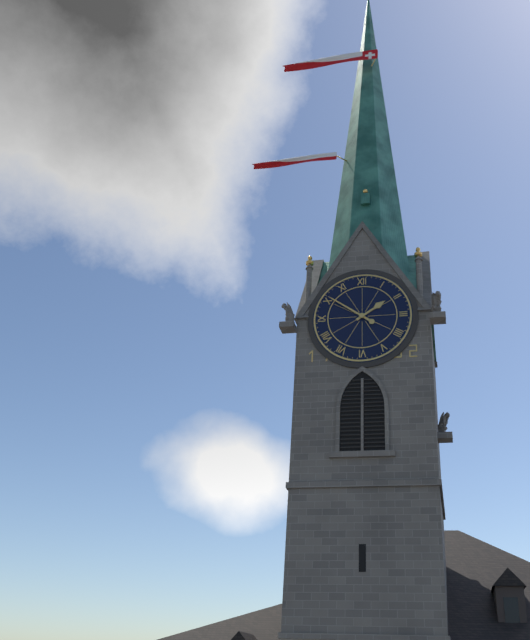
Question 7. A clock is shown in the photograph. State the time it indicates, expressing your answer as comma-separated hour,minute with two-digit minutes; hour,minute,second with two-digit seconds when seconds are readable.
1,51
